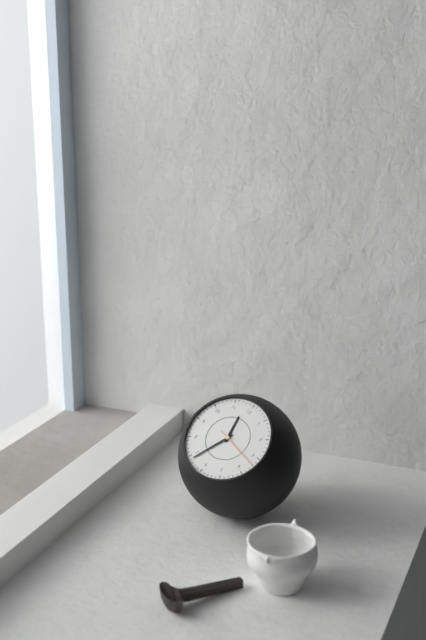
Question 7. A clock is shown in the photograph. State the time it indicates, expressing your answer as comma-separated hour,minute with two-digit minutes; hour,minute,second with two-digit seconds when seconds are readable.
11,34
